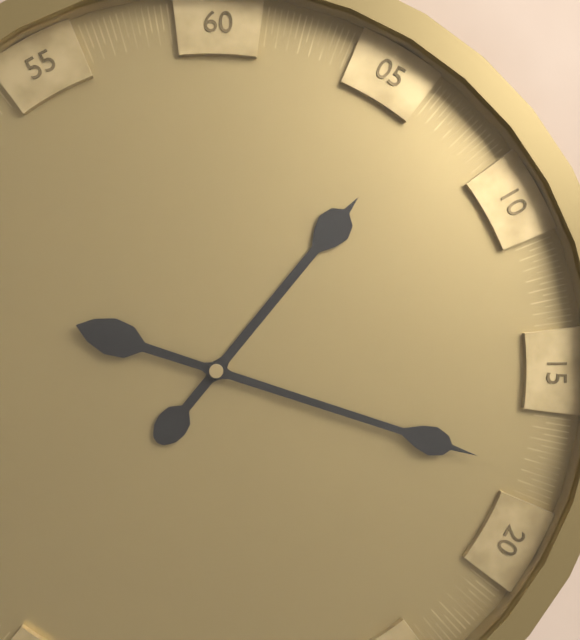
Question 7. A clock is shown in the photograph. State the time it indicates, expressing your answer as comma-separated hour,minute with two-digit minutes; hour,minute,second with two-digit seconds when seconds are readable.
1,18
